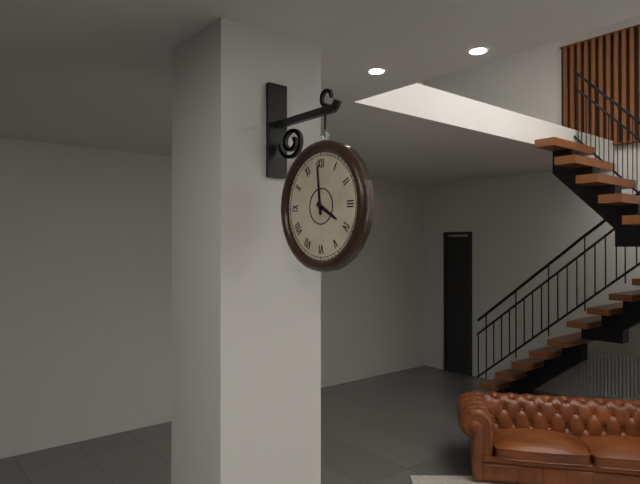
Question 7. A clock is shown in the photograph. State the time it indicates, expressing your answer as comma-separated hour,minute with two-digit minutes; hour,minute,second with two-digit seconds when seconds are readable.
3,59
